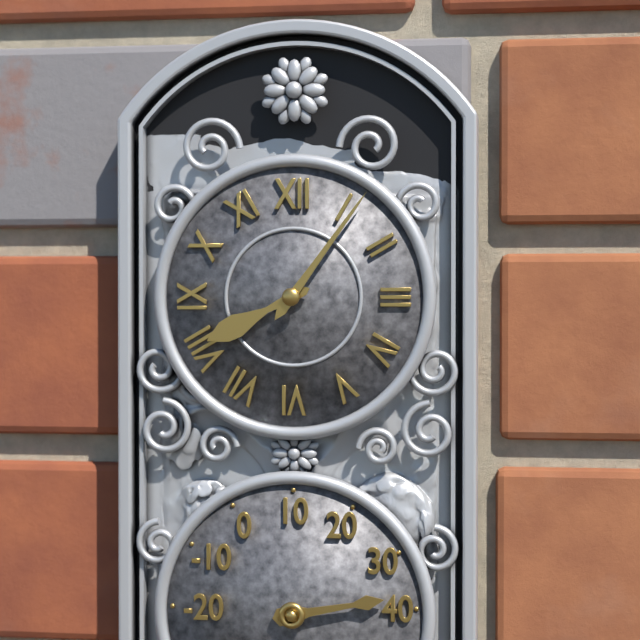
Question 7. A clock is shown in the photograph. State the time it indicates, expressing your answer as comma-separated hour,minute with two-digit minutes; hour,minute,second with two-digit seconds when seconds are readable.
8,06
